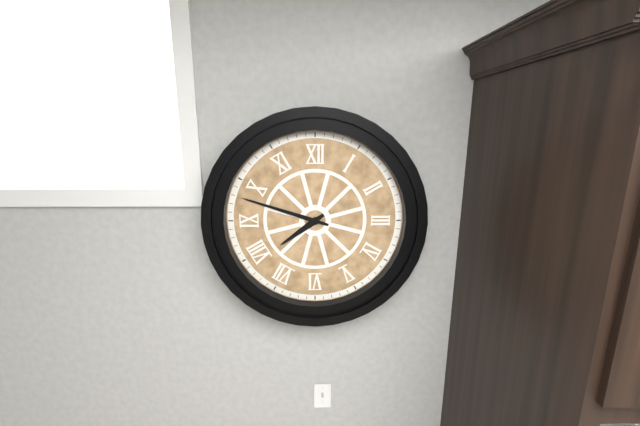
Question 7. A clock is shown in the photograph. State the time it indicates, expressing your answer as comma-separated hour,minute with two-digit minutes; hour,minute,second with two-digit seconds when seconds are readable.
7,48
